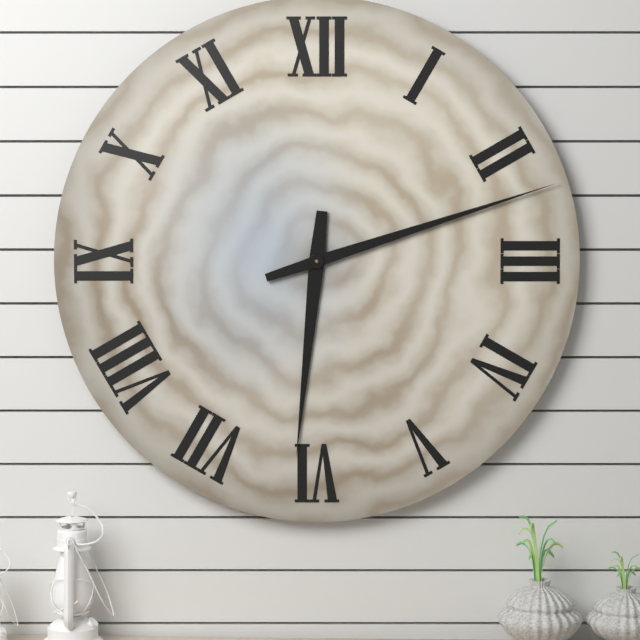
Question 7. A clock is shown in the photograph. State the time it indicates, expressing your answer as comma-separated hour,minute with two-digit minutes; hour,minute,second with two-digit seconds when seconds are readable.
6,12
